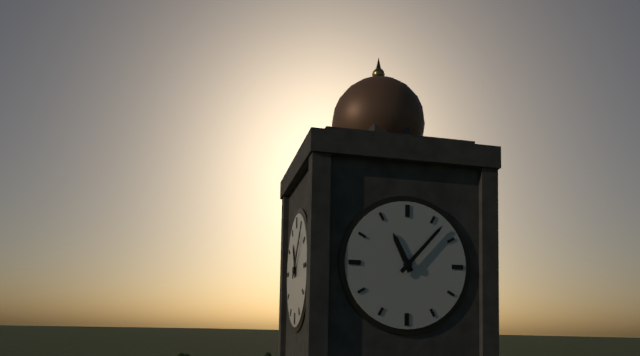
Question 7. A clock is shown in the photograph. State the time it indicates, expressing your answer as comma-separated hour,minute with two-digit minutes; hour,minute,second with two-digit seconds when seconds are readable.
11,07
